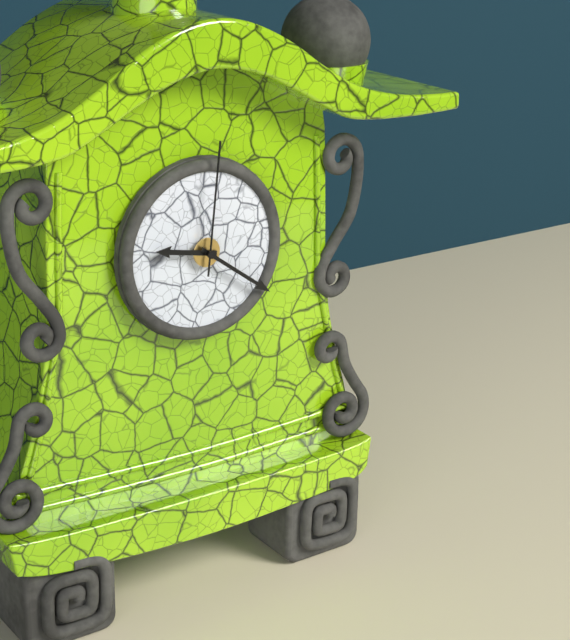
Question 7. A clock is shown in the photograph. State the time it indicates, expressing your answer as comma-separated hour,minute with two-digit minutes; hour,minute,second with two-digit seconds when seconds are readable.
9,21,01
